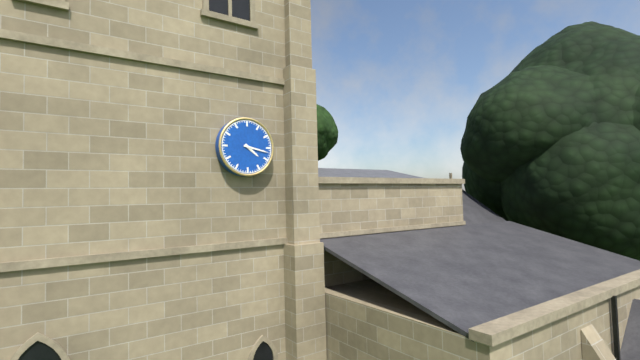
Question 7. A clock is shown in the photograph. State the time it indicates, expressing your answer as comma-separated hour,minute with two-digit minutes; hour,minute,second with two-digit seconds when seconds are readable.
4,17
